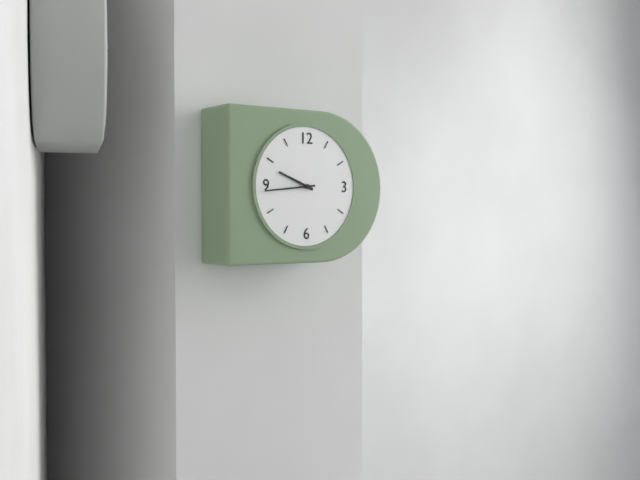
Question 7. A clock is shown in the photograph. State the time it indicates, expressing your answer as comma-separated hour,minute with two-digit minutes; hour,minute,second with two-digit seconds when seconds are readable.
9,44
